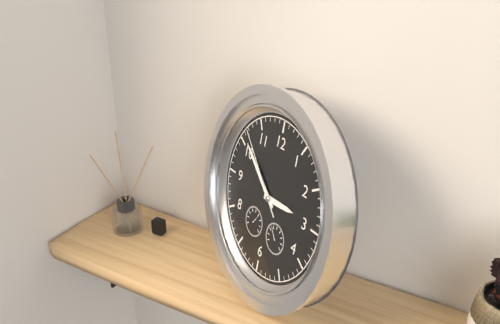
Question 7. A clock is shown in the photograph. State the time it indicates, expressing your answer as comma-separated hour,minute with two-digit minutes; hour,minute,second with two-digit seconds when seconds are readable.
2,51,52
